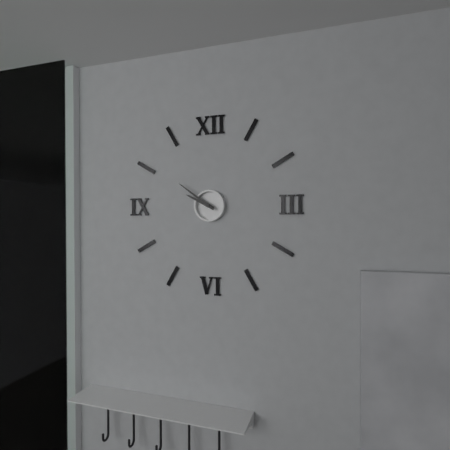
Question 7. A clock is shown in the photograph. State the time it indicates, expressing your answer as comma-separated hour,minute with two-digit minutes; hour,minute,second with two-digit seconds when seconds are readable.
9,51
